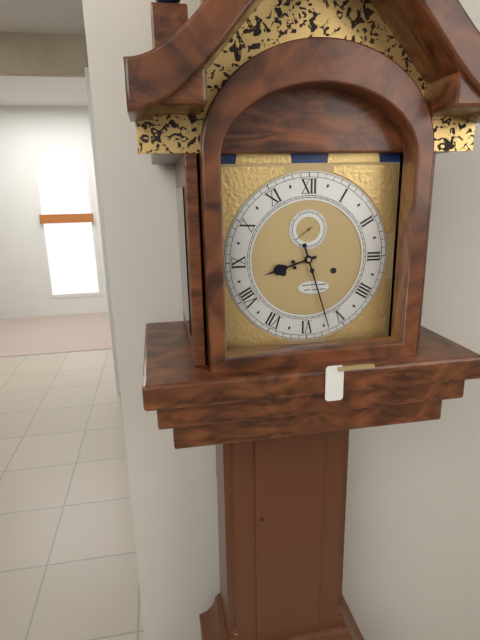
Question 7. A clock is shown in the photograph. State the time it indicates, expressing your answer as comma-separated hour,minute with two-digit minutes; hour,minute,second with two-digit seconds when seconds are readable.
8,27
